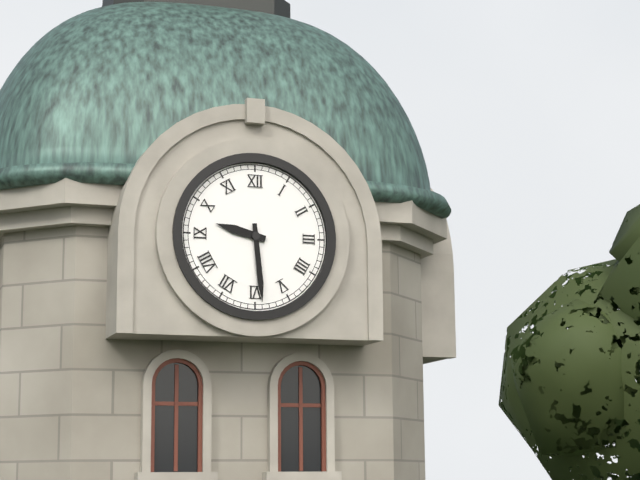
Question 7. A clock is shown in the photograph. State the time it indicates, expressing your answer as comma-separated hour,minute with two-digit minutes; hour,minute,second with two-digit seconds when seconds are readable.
9,29
